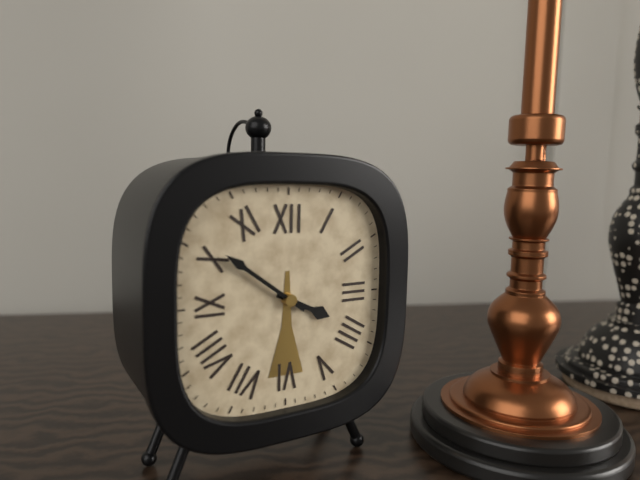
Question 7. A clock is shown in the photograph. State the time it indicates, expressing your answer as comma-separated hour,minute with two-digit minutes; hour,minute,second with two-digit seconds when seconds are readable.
3,51
